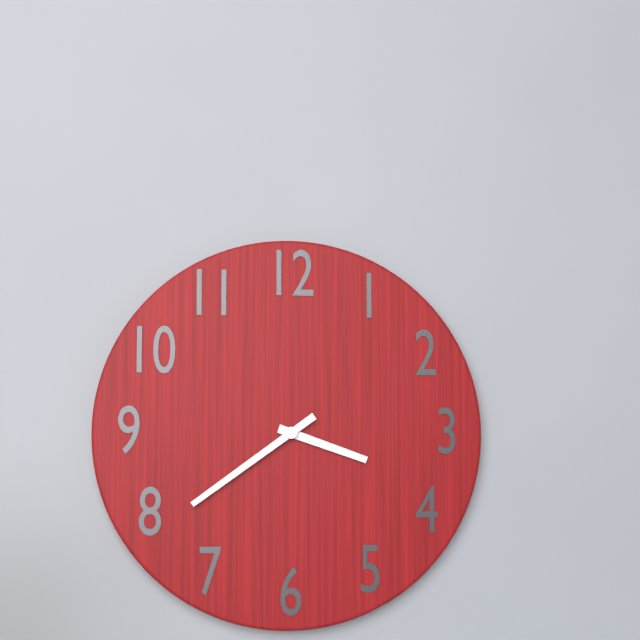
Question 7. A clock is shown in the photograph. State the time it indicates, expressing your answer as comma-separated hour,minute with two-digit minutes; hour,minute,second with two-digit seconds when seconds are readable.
3,39
